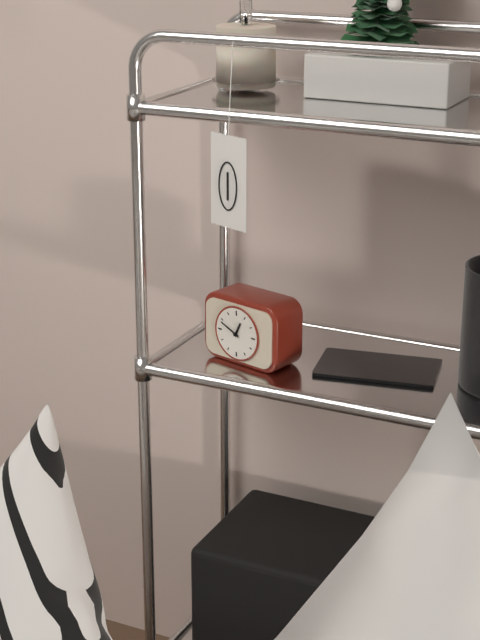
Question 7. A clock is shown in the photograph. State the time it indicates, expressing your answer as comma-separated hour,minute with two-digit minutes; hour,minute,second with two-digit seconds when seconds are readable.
12,49
